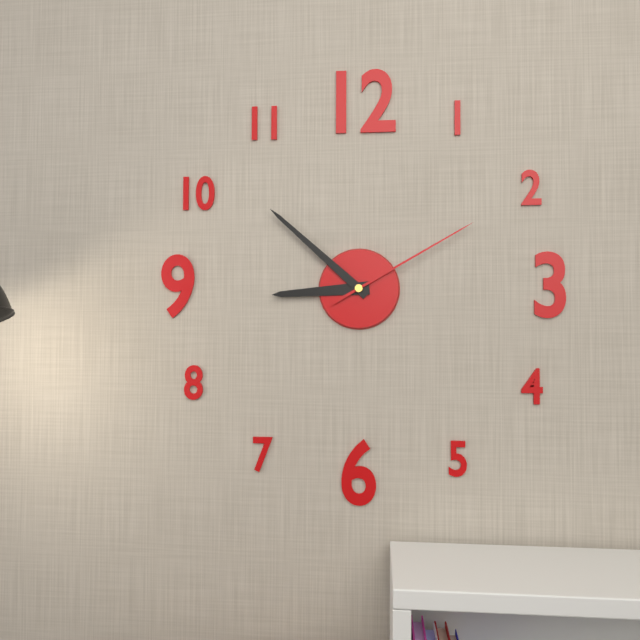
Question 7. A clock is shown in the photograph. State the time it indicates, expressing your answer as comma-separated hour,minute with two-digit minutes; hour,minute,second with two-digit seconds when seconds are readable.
8,52,10
